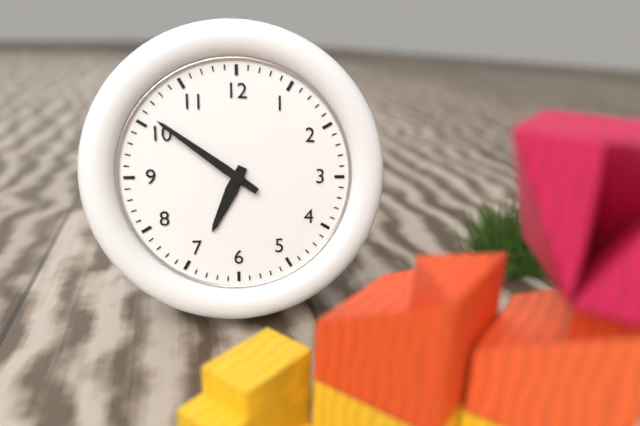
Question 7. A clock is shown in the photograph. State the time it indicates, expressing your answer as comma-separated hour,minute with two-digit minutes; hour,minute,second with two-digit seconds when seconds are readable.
6,51
